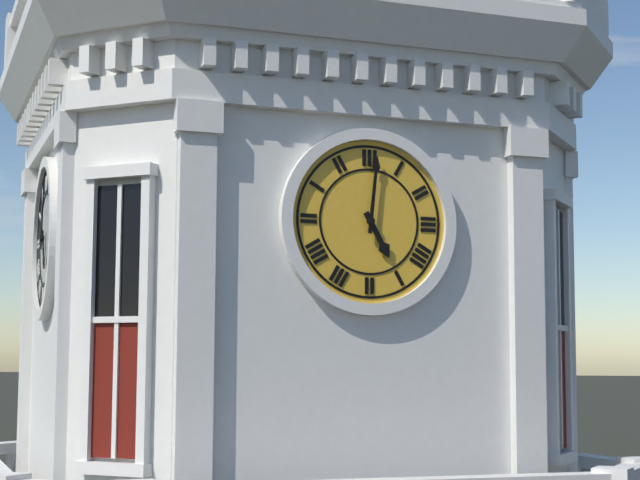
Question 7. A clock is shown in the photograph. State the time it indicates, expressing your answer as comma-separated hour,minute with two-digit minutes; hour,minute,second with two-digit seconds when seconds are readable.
5,01
